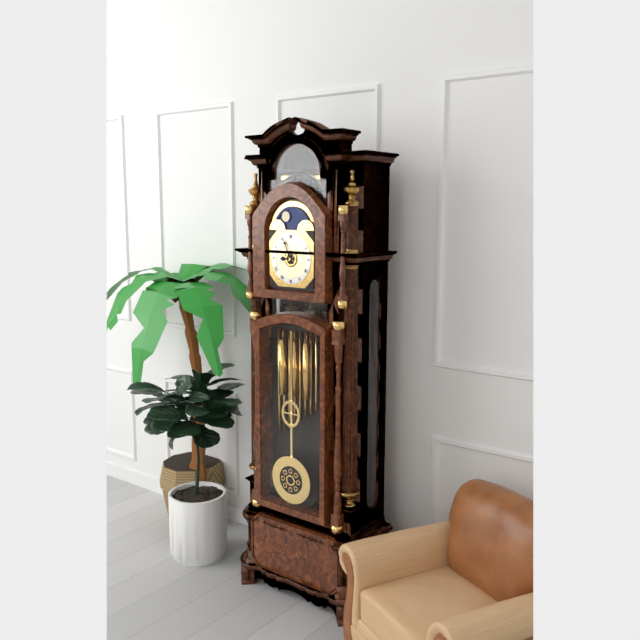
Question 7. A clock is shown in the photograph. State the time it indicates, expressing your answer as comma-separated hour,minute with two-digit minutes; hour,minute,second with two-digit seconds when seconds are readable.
8,56
